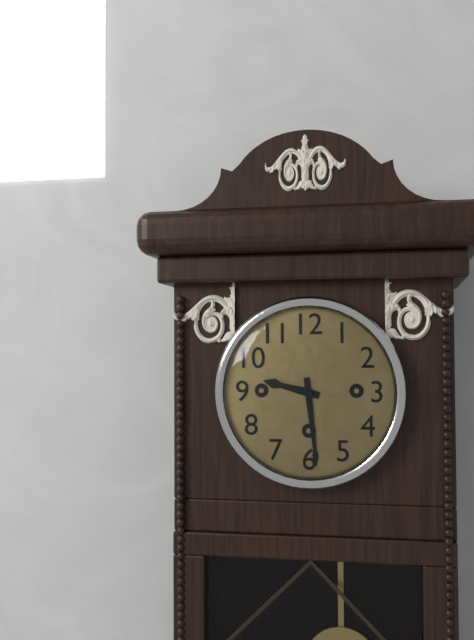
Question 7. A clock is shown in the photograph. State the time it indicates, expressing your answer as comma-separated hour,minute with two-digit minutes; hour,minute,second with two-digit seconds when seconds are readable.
9,29
